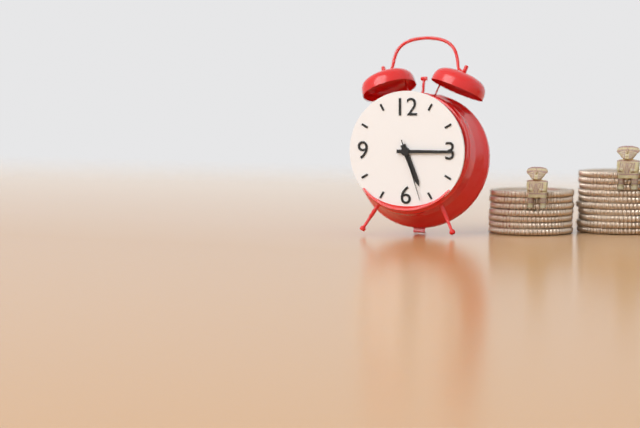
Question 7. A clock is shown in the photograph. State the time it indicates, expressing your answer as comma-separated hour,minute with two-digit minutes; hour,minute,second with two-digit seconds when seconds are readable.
5,15,27
